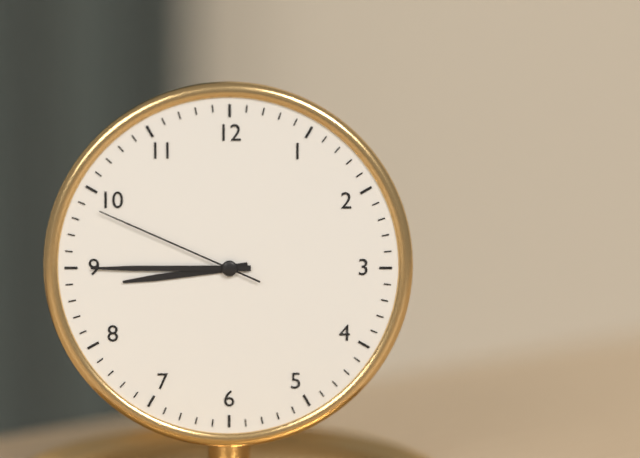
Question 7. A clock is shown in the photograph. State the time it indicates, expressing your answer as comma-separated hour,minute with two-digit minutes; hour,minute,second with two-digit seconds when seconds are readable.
8,45,49
